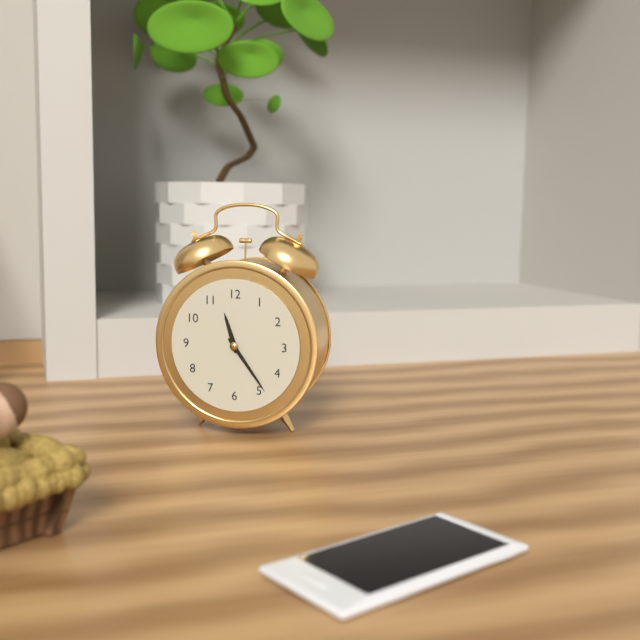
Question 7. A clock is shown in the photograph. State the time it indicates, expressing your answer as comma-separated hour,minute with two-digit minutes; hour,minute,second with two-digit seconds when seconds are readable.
11,24
